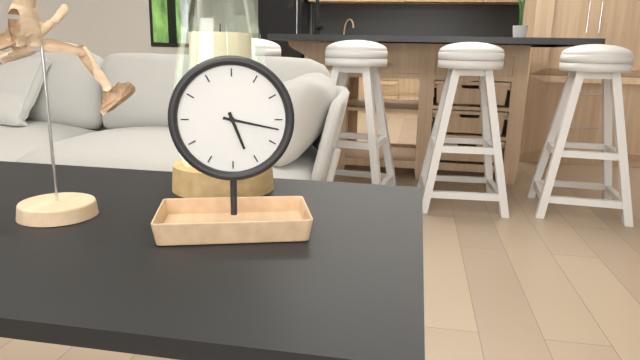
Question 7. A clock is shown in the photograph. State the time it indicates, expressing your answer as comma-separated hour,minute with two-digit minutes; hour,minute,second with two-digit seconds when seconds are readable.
5,17
